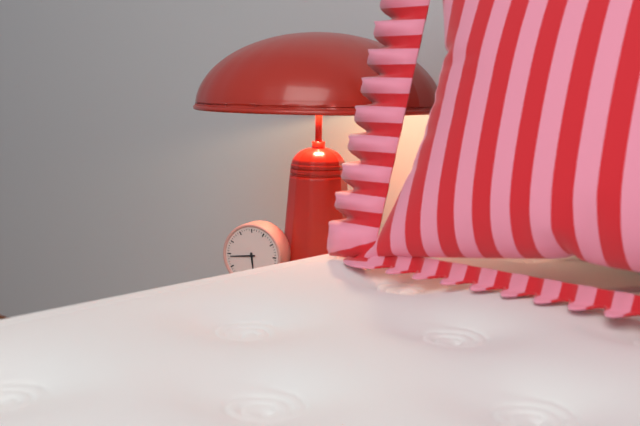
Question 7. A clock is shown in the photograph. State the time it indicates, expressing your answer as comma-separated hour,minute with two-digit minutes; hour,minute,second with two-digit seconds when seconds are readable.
5,44
